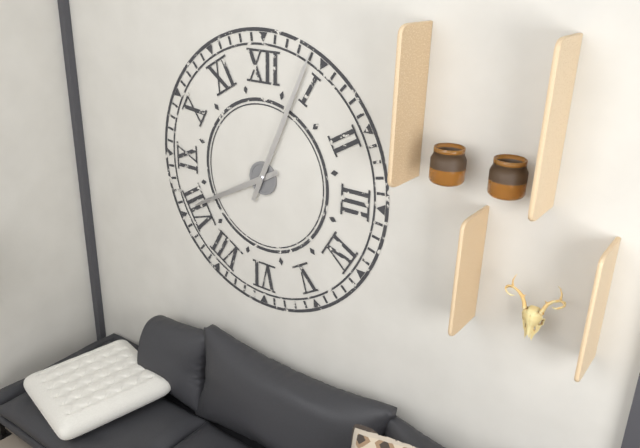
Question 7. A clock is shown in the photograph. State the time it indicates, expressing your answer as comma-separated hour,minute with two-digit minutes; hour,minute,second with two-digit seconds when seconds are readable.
8,04
